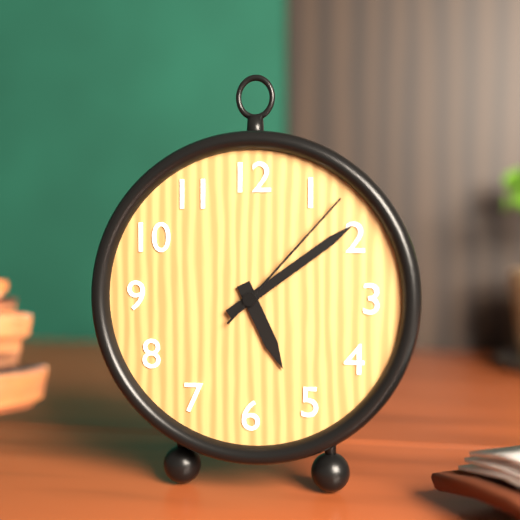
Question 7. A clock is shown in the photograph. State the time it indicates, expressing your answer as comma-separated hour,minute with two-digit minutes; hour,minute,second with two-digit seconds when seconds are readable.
5,09,07
